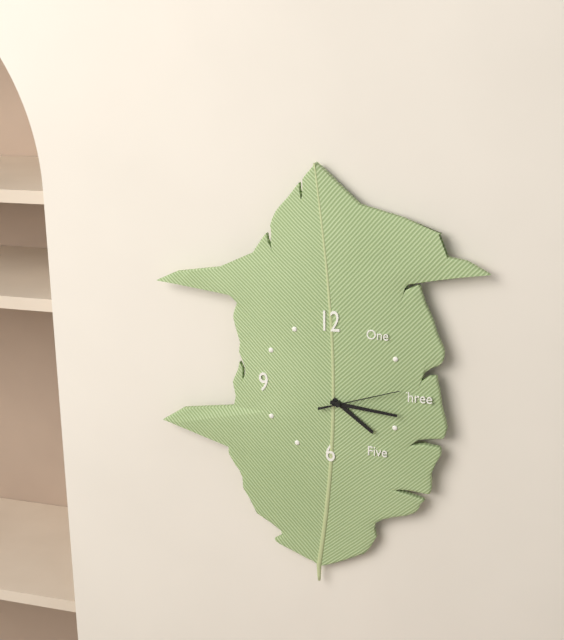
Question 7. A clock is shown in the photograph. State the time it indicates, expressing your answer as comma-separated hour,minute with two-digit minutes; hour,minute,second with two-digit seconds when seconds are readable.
4,16,12
